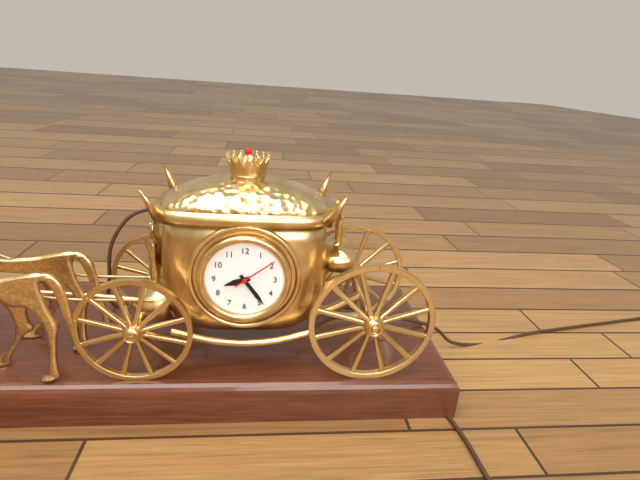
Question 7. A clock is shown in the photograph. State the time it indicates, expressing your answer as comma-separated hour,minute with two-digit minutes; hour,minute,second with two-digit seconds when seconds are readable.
8,24
